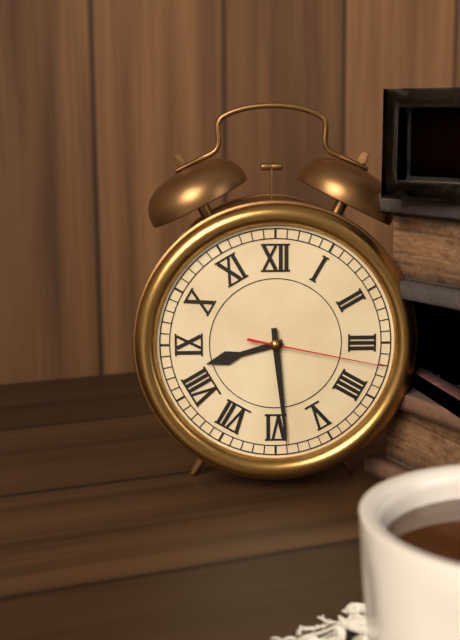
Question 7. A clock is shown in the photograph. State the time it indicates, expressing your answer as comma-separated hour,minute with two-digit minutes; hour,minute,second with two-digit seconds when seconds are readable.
8,29,17
